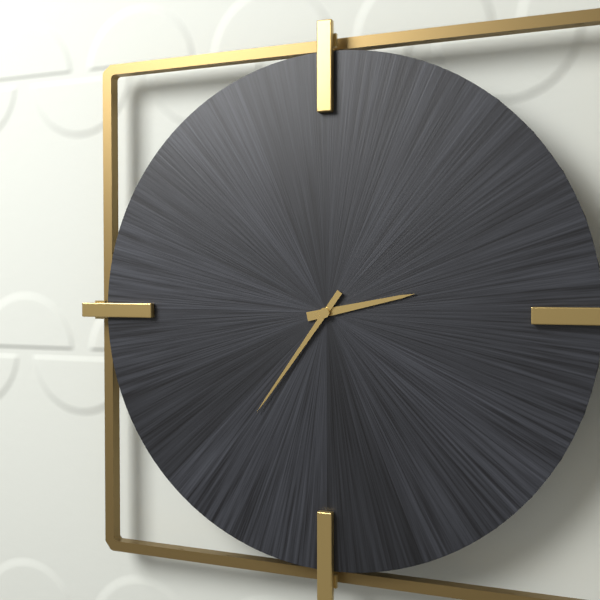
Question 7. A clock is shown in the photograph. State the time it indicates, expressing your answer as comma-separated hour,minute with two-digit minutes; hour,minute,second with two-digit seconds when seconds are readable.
2,36
